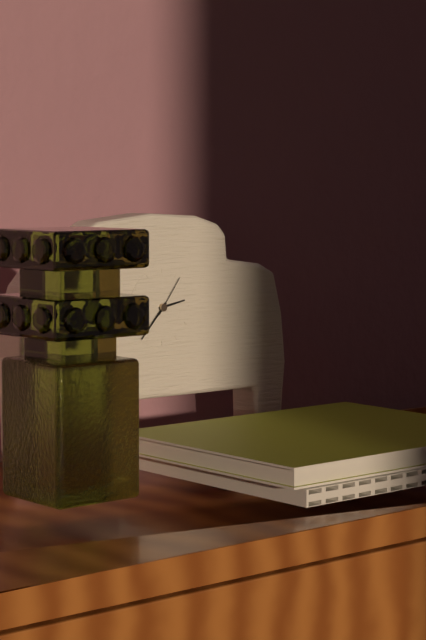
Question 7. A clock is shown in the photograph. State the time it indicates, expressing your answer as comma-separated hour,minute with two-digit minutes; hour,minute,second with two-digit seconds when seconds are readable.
2,37
